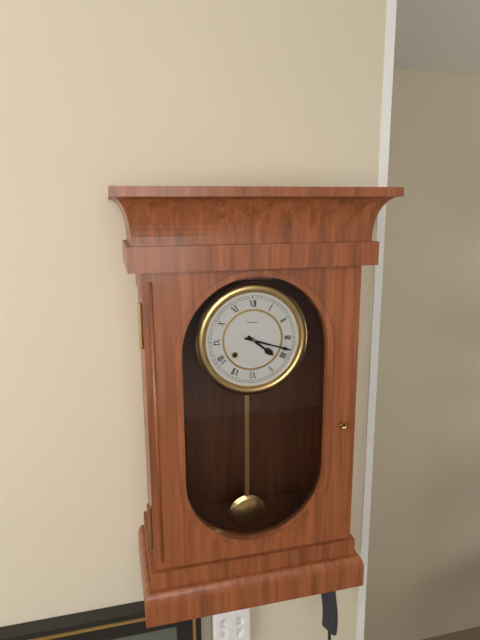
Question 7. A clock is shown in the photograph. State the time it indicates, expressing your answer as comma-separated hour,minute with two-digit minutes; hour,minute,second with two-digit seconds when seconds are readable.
4,18
